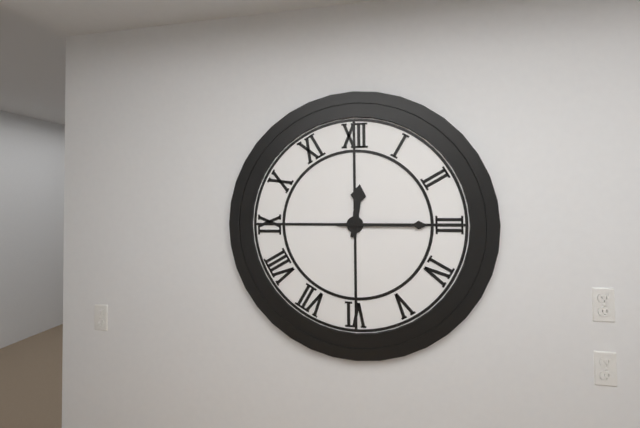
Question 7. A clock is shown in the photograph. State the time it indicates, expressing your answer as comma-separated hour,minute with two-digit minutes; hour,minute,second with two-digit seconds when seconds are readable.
12,15
